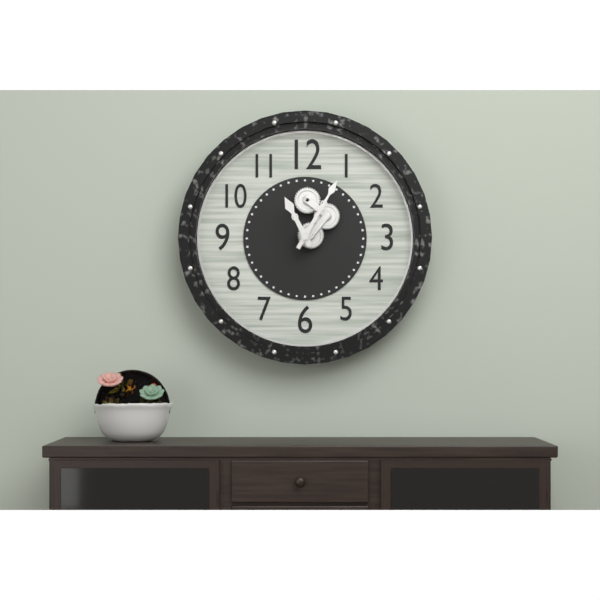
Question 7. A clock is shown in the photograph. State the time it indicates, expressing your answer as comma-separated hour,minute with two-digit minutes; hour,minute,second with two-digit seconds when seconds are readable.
11,05
